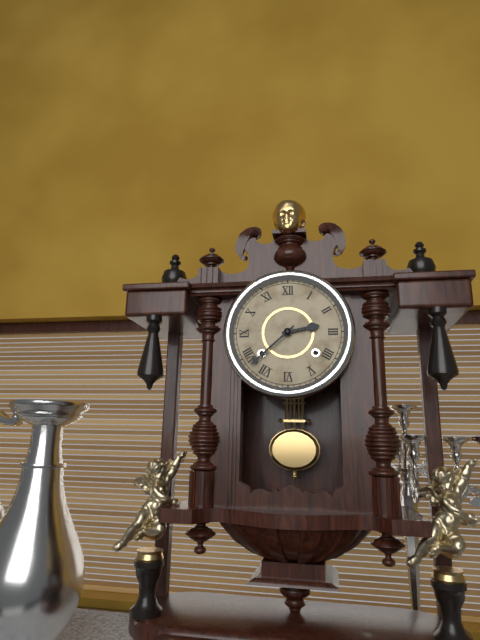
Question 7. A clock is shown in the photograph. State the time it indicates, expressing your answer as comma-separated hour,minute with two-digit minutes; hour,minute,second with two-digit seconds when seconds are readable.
2,38
